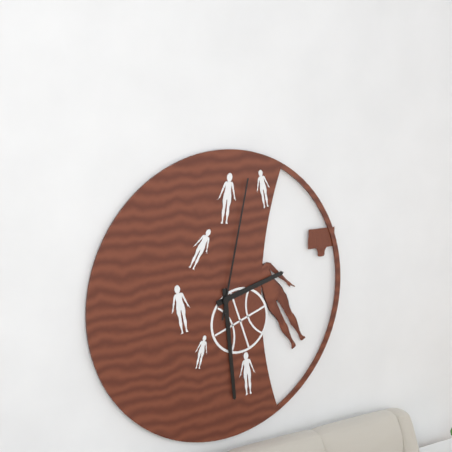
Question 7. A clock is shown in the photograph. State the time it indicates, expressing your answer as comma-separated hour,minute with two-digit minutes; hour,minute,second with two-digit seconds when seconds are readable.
2,29,02
